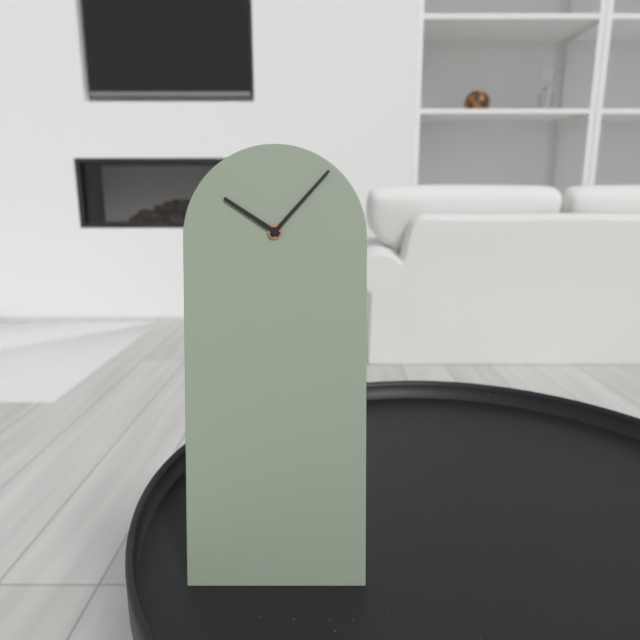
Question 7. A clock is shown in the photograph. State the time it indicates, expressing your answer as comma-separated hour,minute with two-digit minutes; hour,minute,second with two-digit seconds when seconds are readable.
10,07
